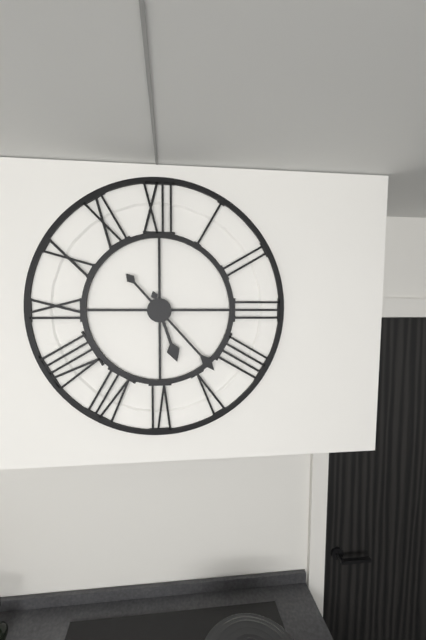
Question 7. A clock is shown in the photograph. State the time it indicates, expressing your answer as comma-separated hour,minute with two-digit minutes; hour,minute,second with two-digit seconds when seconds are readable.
5,23
